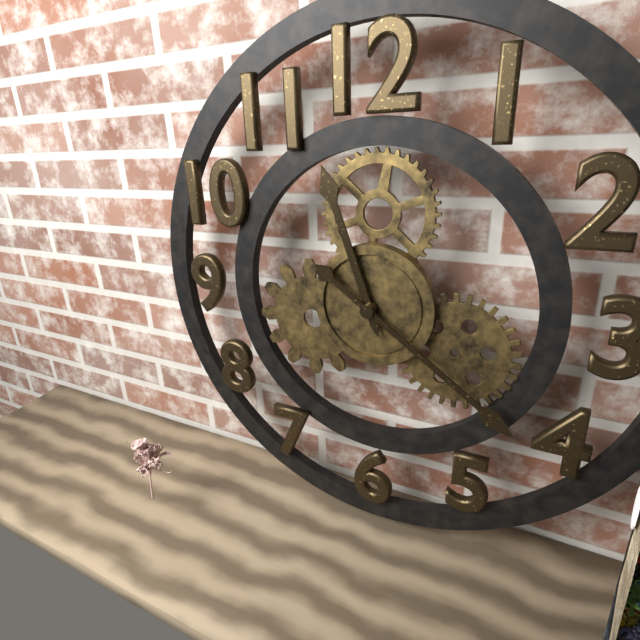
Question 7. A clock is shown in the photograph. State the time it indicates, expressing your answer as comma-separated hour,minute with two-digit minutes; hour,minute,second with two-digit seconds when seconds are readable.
11,21
